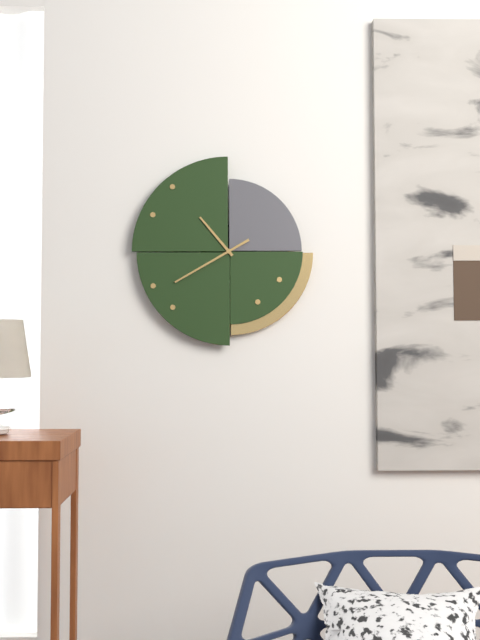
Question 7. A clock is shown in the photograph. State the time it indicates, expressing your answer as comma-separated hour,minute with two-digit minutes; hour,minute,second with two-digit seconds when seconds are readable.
10,40
